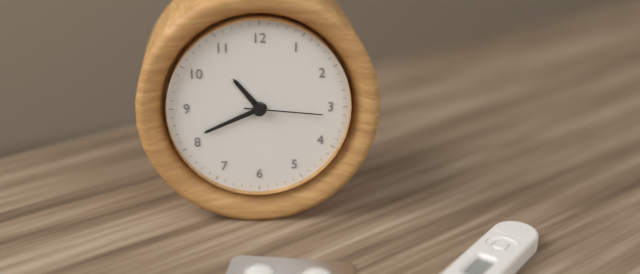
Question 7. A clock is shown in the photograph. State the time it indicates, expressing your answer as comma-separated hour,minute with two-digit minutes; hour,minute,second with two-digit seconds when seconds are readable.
10,41,16
